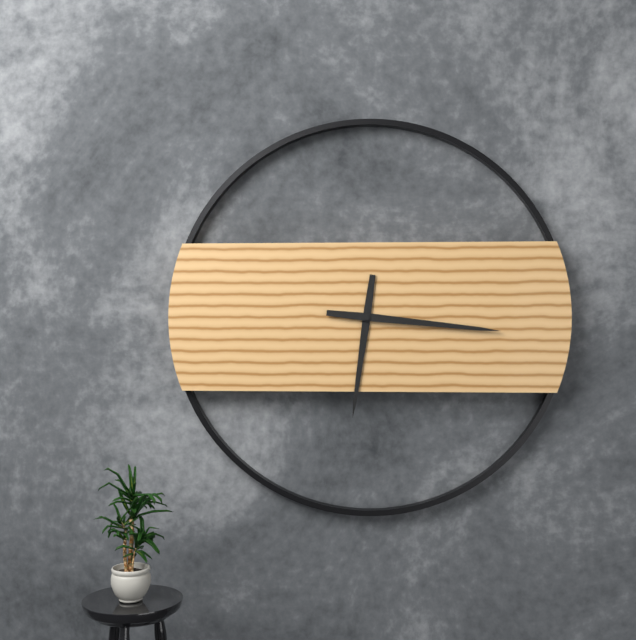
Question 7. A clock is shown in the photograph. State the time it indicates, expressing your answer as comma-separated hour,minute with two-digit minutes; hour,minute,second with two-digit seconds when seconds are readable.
6,16
